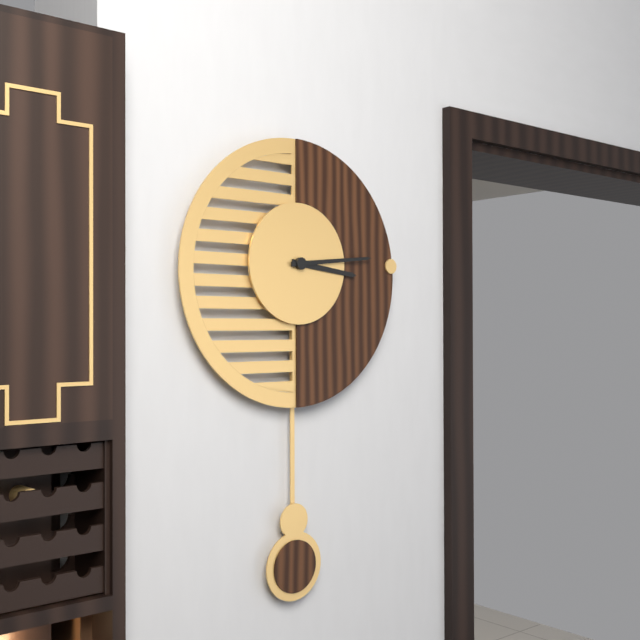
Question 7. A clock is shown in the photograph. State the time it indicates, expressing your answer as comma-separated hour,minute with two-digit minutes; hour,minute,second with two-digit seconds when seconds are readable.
3,14
